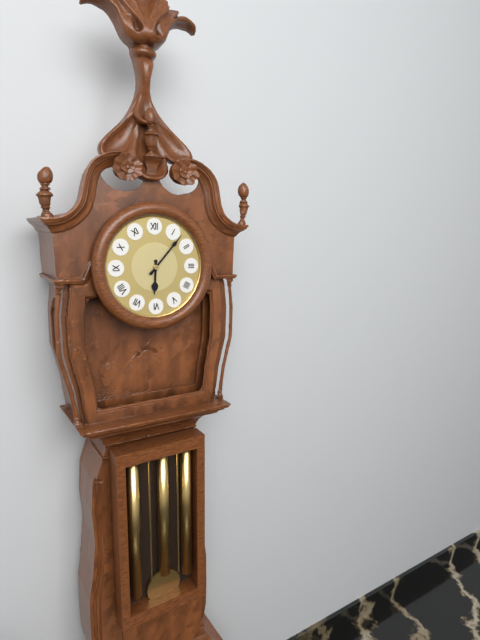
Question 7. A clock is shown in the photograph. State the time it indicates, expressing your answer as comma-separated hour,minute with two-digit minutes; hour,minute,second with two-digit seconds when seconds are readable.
6,07
